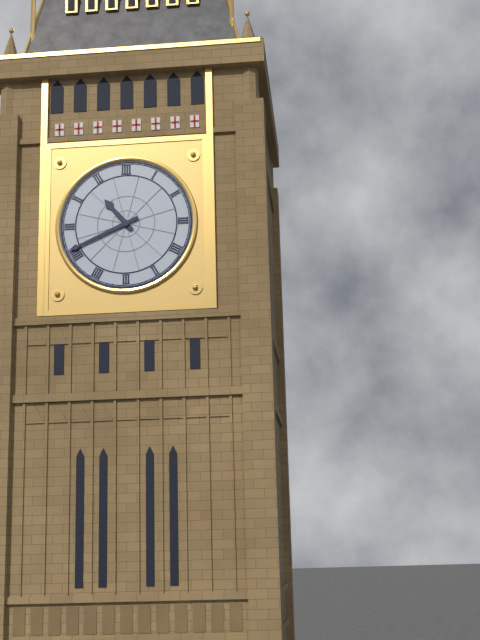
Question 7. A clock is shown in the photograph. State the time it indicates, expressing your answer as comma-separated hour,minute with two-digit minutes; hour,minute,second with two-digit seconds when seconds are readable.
10,41
